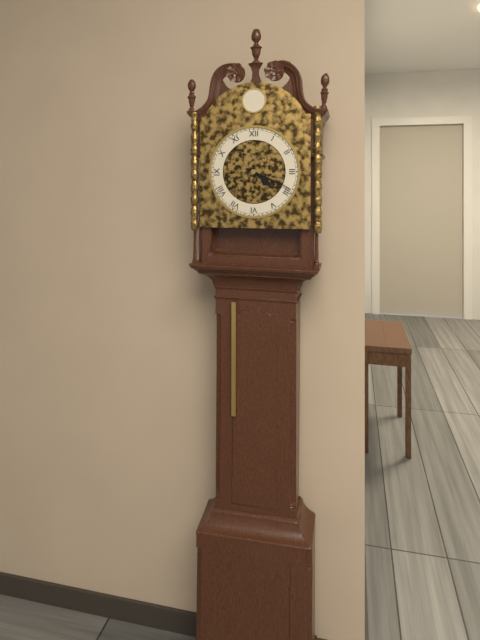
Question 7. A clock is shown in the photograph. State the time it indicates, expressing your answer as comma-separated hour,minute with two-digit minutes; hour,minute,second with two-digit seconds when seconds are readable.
4,19
